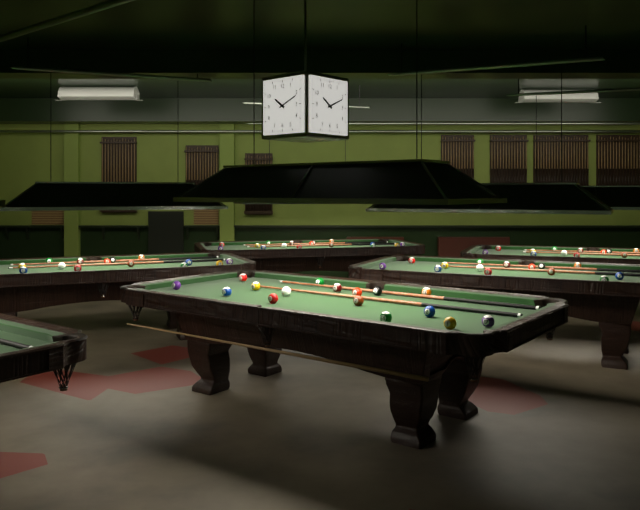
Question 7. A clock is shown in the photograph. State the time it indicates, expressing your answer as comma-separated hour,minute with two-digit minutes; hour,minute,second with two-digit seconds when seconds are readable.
10,11
